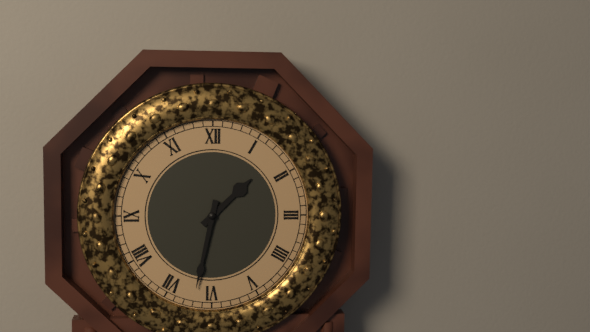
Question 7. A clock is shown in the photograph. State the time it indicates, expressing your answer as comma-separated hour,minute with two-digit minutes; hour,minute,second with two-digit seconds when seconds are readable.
1,32
